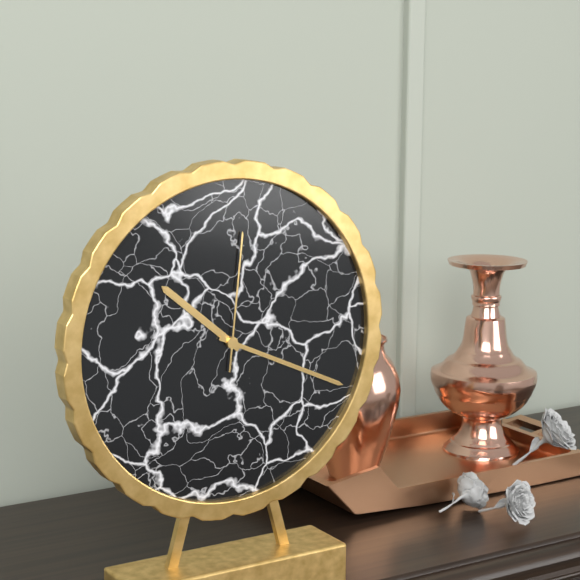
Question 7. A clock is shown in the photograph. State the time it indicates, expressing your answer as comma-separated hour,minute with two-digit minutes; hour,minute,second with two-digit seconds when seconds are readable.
10,19,01
